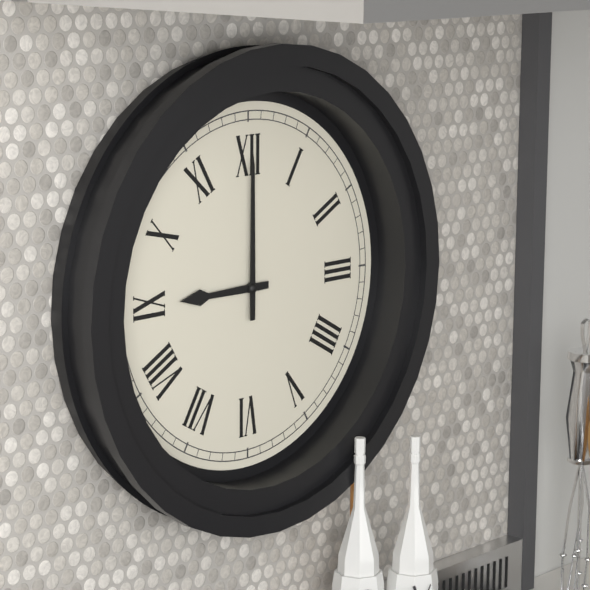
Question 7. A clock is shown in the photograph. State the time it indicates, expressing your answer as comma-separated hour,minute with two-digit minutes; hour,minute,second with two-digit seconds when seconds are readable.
9,00
